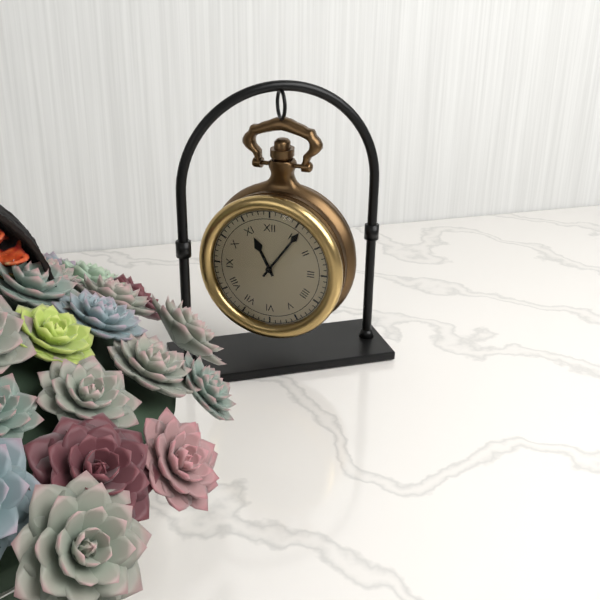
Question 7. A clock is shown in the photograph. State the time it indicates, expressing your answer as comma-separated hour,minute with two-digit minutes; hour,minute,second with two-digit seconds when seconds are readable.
11,06
